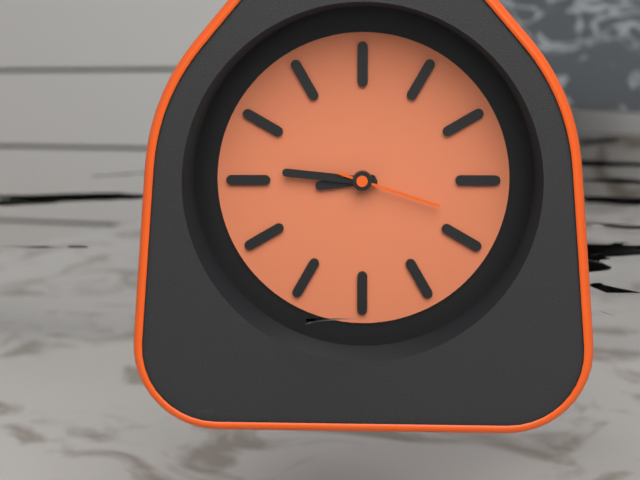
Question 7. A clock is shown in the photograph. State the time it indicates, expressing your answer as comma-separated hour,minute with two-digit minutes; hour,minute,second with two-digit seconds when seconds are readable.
8,46,18
